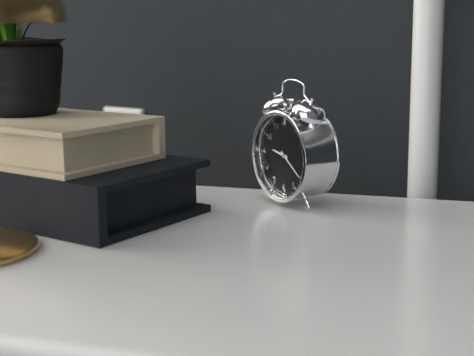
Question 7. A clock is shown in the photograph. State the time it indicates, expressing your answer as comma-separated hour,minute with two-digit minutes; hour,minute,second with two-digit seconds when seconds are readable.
9,21
